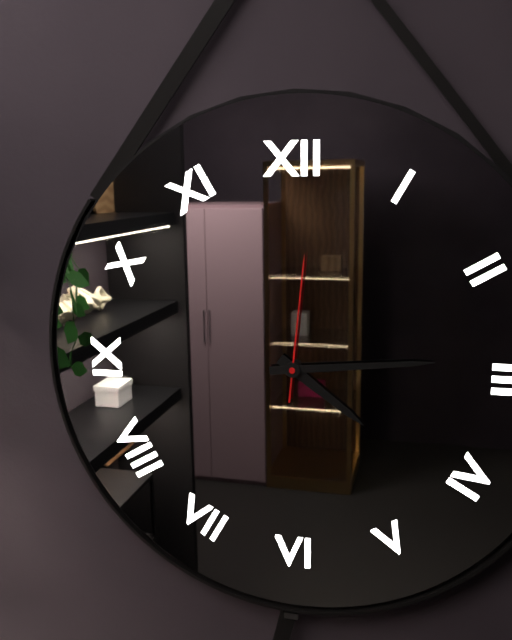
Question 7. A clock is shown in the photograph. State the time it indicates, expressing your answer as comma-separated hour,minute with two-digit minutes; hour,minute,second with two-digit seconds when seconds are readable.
4,14,01
